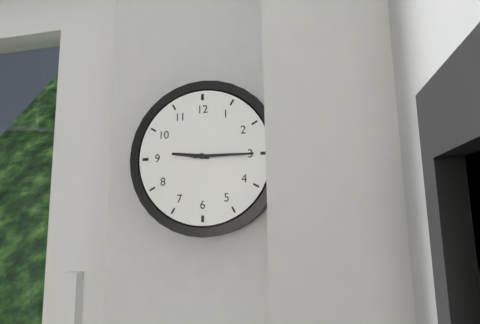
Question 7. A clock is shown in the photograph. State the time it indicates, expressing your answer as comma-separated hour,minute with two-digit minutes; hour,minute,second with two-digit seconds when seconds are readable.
9,15
